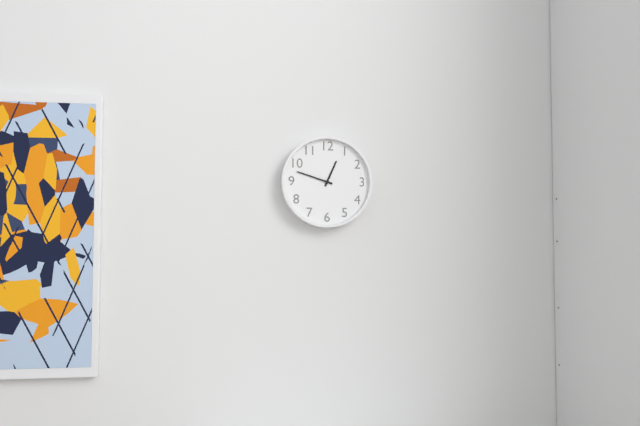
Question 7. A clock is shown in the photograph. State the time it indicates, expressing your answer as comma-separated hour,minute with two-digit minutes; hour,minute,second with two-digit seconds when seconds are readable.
12,48
